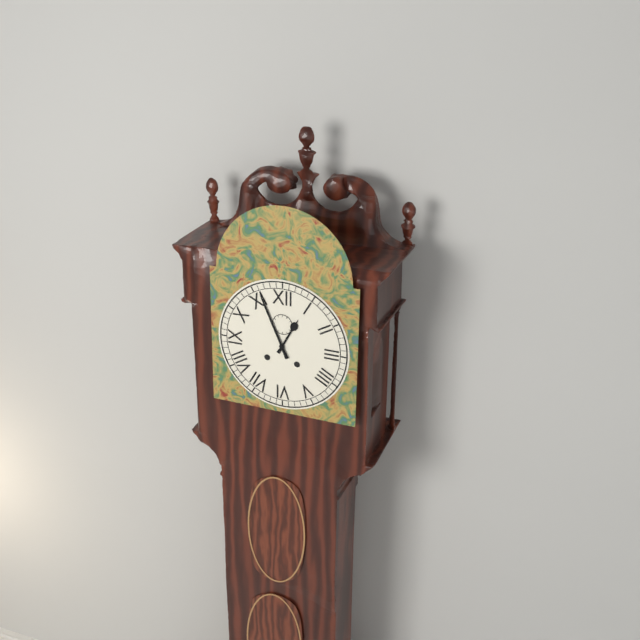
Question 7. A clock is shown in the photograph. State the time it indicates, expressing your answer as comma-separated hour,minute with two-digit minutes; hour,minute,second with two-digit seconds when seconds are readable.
12,56
